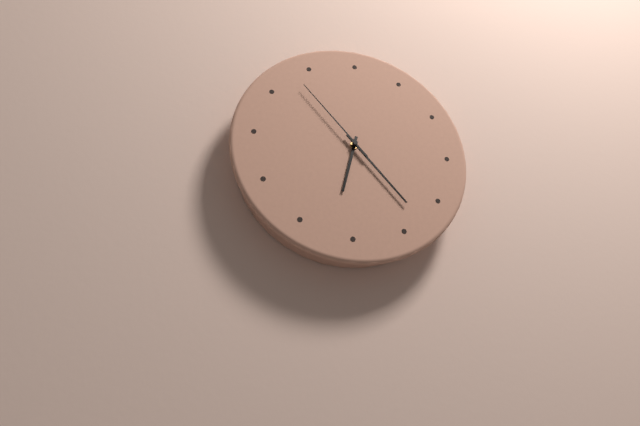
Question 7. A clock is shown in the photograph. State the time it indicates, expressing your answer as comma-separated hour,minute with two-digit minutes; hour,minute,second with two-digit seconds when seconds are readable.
6,23,53
